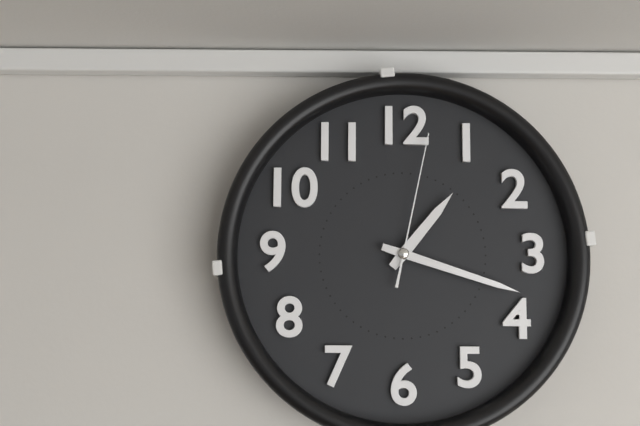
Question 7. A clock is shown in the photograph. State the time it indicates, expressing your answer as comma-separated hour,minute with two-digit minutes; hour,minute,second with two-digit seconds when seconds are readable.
1,18,02
